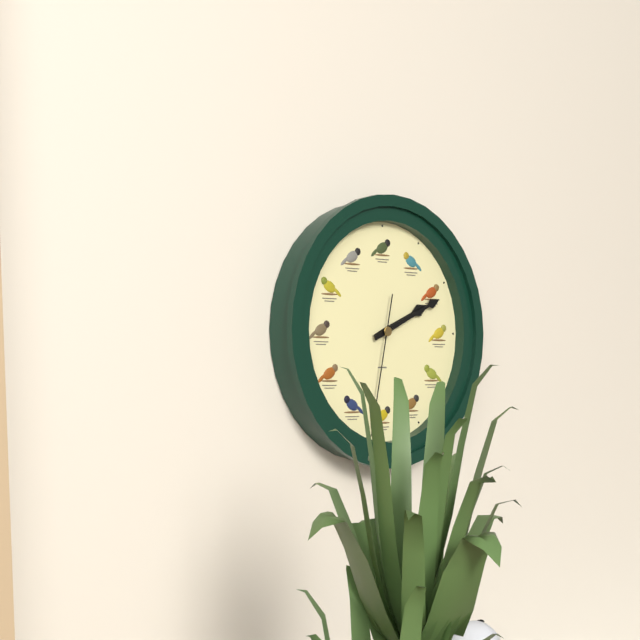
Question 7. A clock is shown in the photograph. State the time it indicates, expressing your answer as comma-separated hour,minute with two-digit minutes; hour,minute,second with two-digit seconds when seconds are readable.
2,11,32
